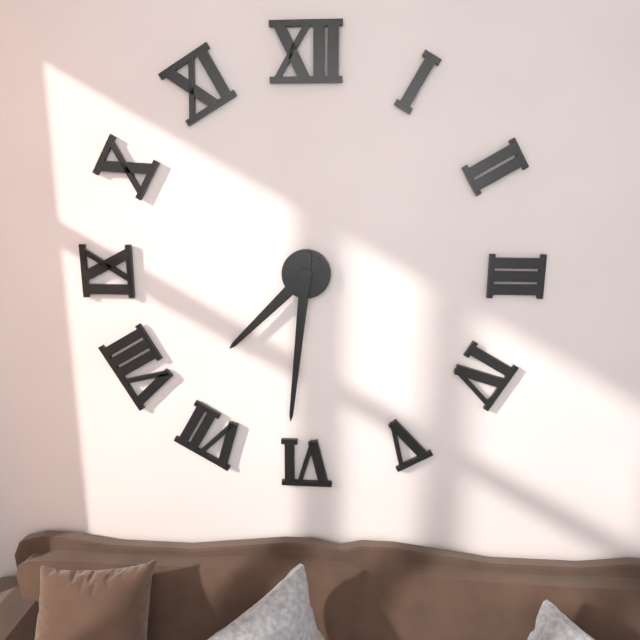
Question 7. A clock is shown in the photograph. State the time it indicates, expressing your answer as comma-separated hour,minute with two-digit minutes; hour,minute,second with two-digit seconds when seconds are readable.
7,31
